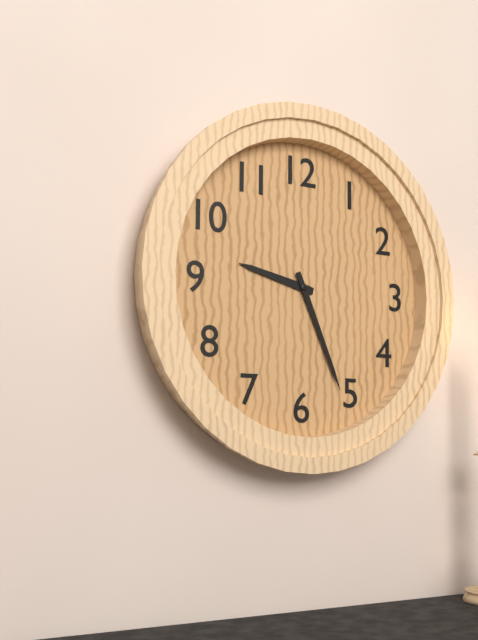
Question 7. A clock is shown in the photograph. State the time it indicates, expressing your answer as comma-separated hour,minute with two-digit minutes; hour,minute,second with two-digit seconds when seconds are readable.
9,26
